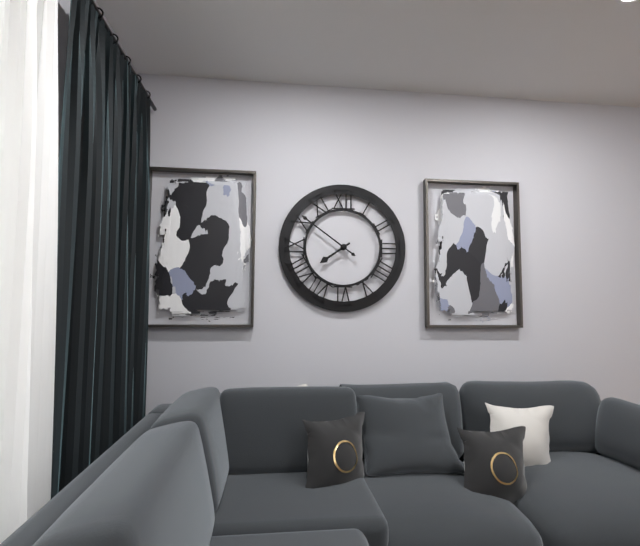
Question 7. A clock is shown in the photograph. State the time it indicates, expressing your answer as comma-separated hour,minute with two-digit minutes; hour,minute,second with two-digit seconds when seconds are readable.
7,51
